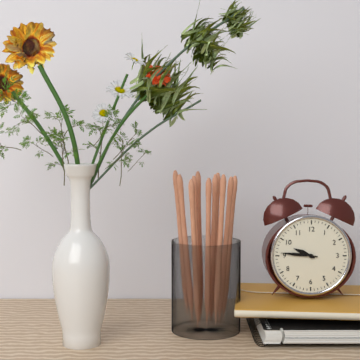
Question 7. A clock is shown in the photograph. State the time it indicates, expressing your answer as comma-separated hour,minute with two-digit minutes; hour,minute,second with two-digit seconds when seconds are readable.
9,46
